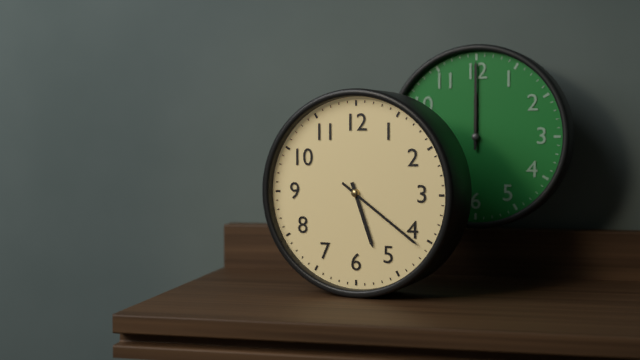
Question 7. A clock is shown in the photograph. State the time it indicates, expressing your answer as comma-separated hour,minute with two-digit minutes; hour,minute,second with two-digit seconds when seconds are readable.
5,21
